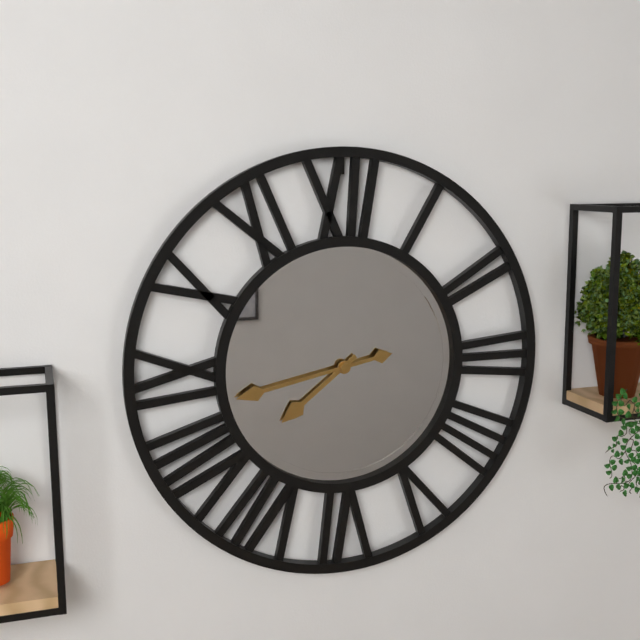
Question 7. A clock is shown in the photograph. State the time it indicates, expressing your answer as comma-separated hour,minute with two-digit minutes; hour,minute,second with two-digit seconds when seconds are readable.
7,43
